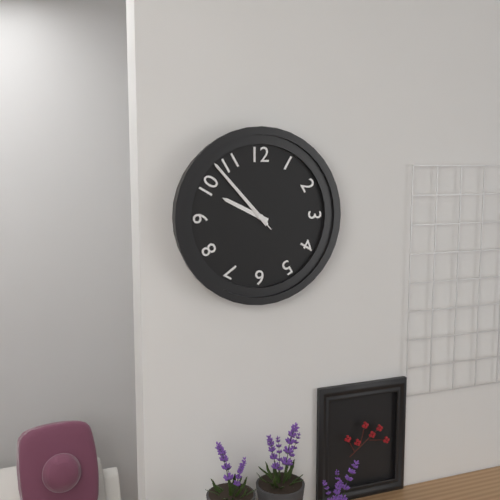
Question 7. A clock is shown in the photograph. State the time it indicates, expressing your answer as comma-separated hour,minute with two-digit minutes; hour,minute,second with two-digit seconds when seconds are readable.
9,53,53
